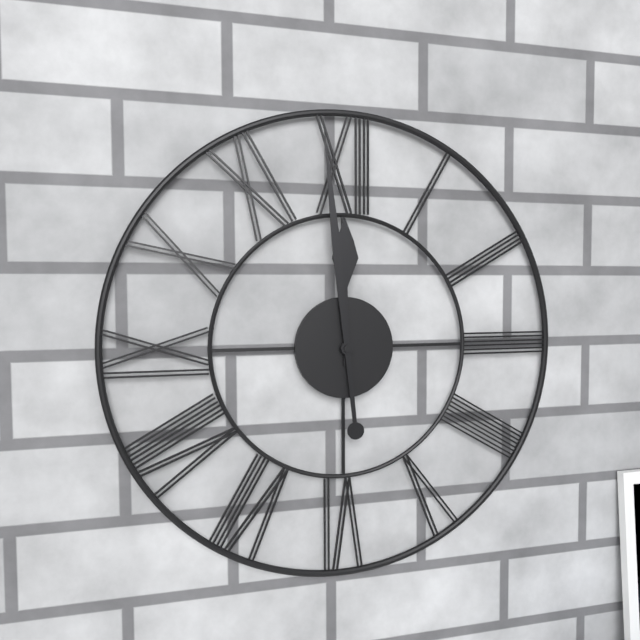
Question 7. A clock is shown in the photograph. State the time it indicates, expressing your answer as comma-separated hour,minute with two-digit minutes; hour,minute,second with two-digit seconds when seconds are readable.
11,59
